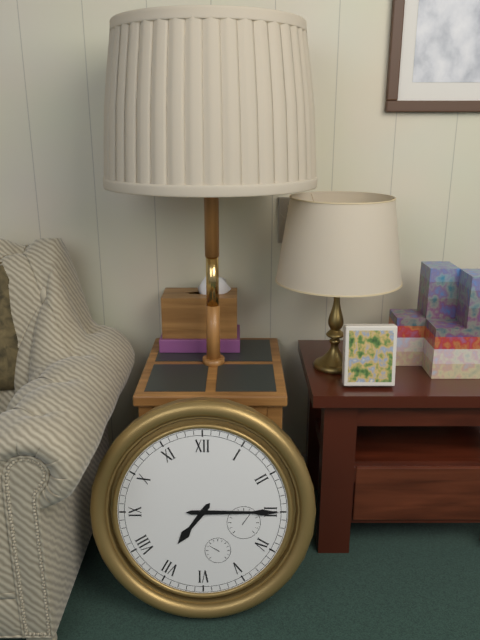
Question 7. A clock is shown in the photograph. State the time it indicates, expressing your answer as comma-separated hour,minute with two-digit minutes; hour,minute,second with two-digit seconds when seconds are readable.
7,15
